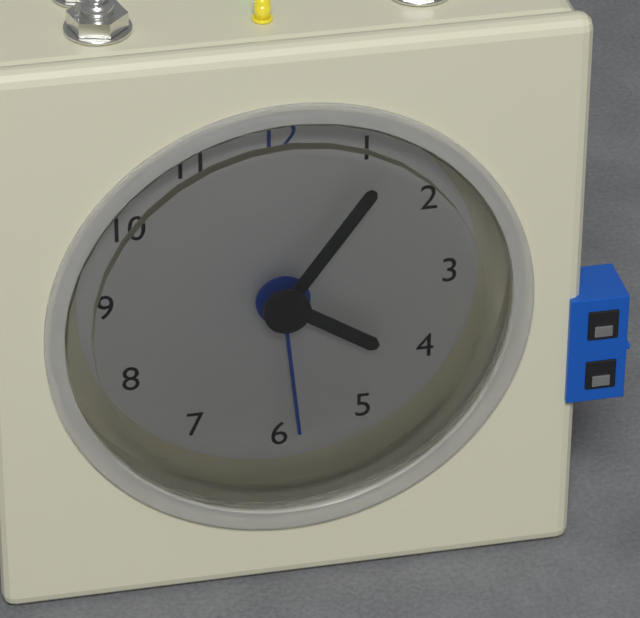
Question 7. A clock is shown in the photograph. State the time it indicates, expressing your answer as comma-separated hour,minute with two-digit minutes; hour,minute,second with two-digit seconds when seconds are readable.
4,06,29
